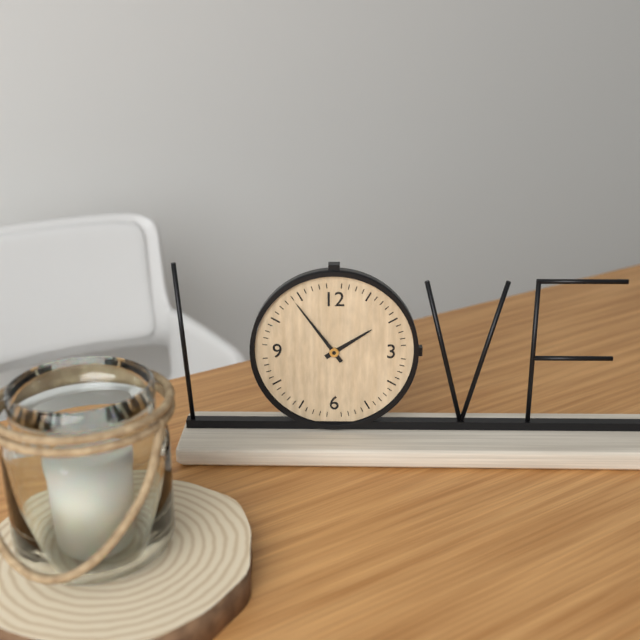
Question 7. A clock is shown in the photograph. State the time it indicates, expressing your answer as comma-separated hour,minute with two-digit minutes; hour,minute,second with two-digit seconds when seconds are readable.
1,54
